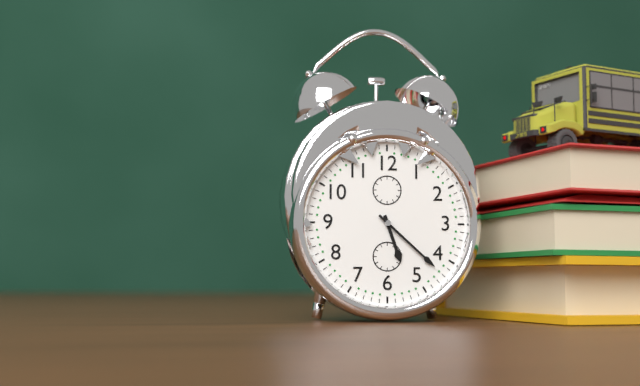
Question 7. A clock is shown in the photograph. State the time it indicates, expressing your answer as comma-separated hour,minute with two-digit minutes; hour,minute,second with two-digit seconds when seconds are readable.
5,22
